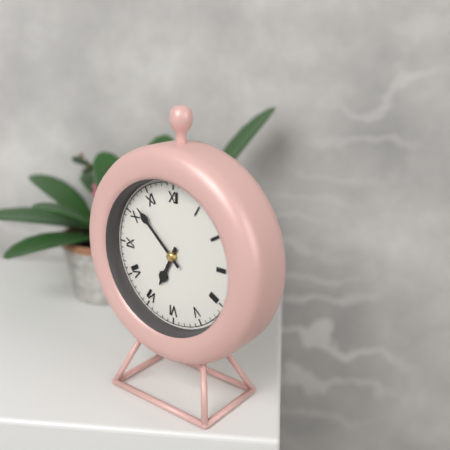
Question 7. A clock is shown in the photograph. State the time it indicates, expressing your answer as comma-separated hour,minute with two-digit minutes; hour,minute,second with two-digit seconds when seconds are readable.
6,52
